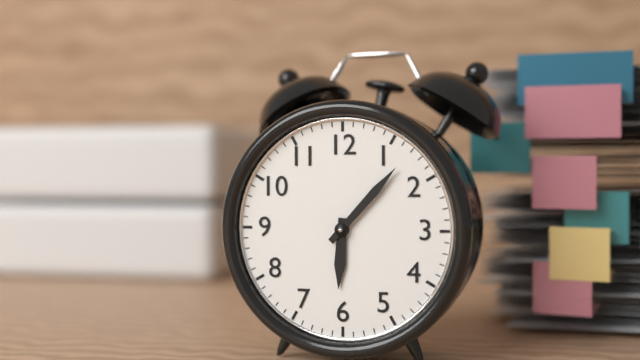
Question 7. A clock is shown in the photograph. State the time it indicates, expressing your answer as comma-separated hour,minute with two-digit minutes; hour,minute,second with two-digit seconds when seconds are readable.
6,07
